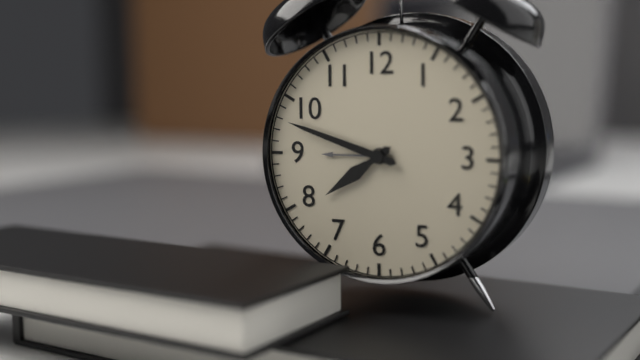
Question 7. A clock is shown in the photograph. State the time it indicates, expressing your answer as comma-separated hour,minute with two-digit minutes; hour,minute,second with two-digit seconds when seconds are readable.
7,48
